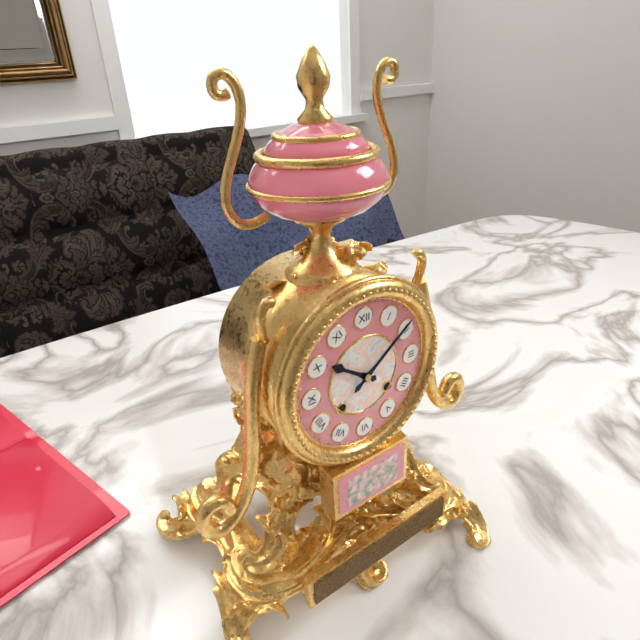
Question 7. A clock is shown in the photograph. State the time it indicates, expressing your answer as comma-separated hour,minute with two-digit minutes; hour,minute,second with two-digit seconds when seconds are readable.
10,09
